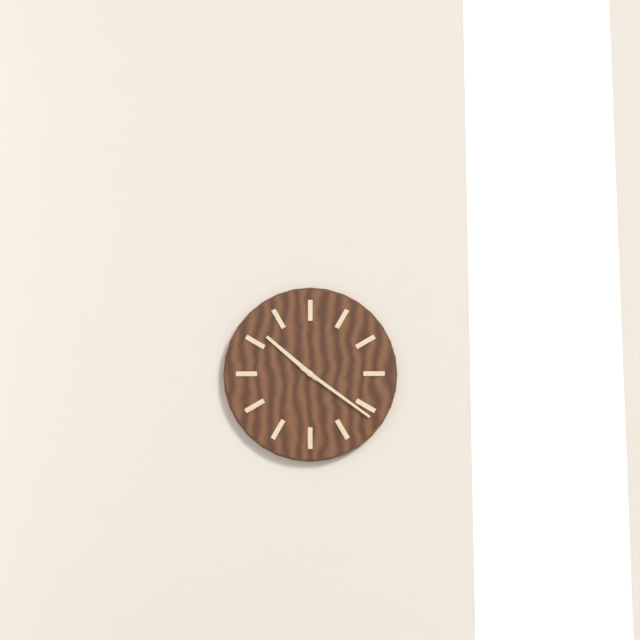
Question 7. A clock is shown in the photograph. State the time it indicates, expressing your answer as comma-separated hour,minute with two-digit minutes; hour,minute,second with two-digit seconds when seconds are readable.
10,21
